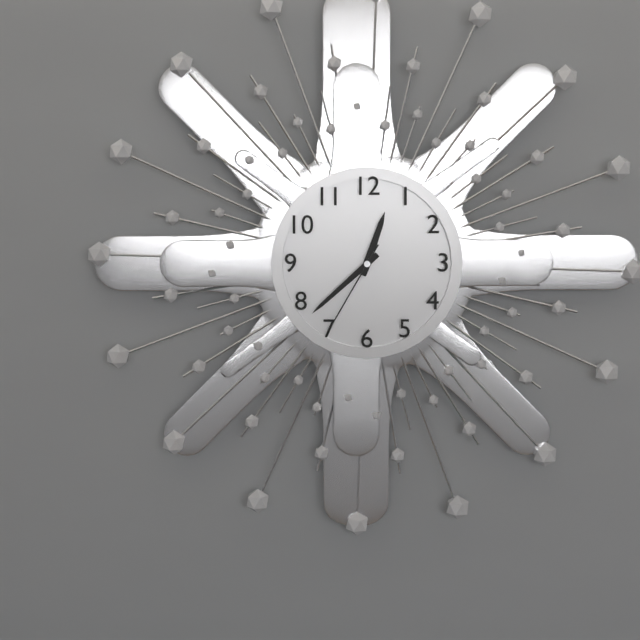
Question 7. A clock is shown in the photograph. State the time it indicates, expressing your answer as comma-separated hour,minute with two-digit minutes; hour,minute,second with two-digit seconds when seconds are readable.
12,38,35
